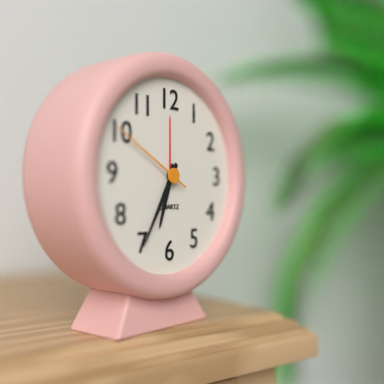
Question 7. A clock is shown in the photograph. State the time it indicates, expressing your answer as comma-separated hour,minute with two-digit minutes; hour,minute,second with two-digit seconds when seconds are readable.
6,35,50
